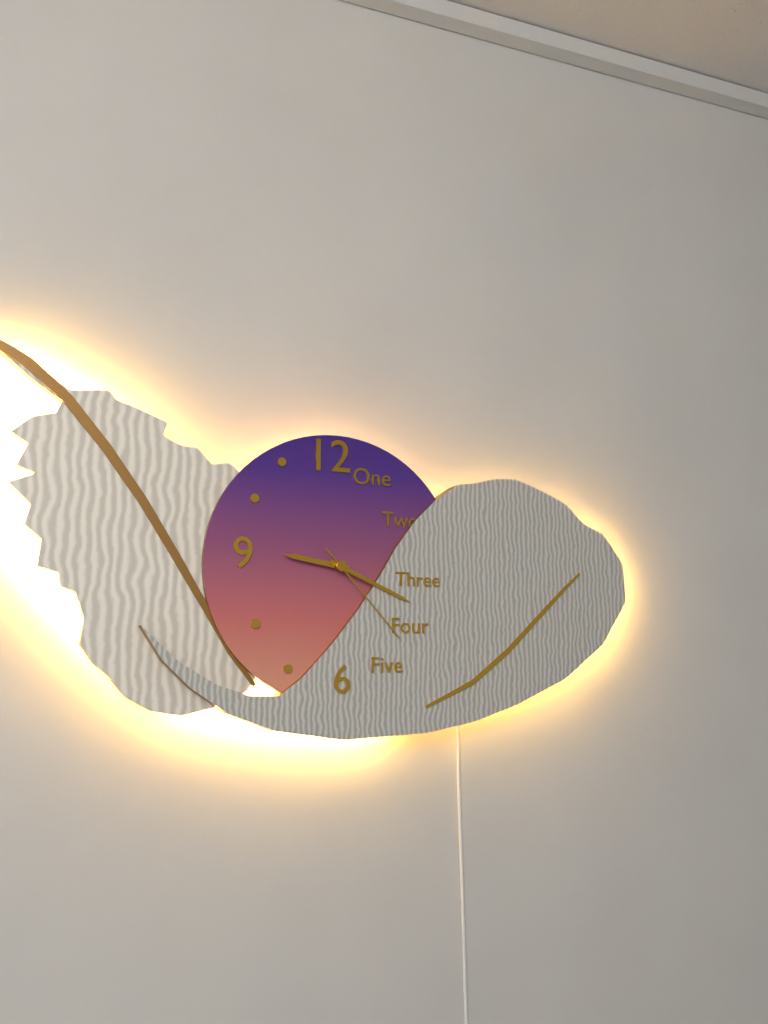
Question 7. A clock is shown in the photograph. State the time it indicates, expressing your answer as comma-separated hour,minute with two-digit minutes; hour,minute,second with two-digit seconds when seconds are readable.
9,19,23
